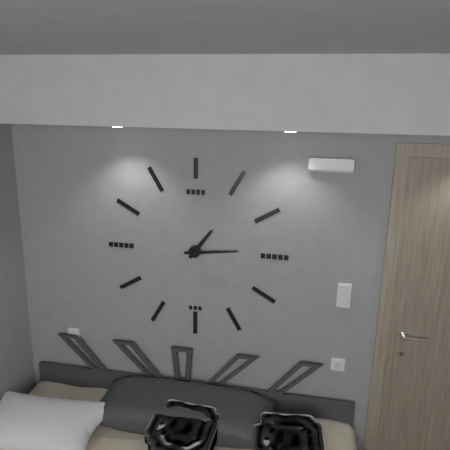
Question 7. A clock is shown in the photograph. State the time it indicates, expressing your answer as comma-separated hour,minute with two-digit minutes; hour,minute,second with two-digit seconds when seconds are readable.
1,14
